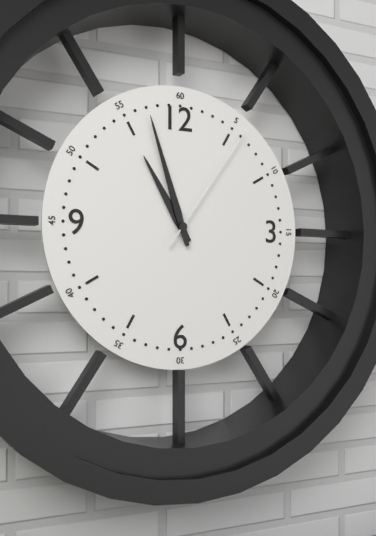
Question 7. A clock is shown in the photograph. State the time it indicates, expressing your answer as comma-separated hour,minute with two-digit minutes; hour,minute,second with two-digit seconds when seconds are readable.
10,57,06
